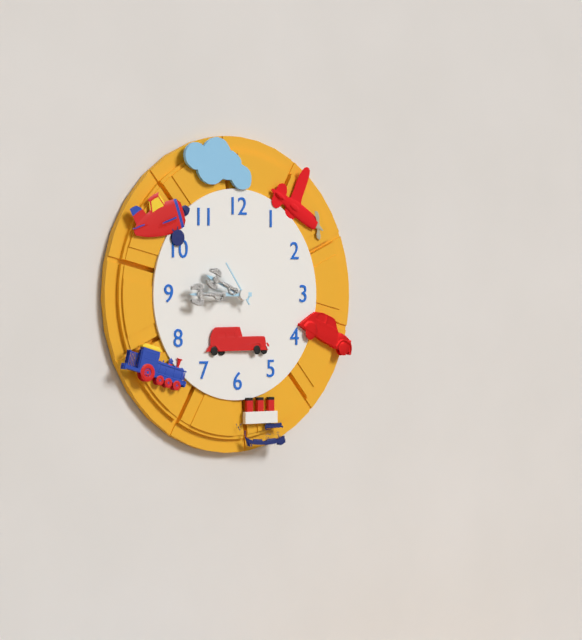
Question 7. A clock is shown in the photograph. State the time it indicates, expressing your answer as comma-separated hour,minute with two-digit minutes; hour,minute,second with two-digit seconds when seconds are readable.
9,45
